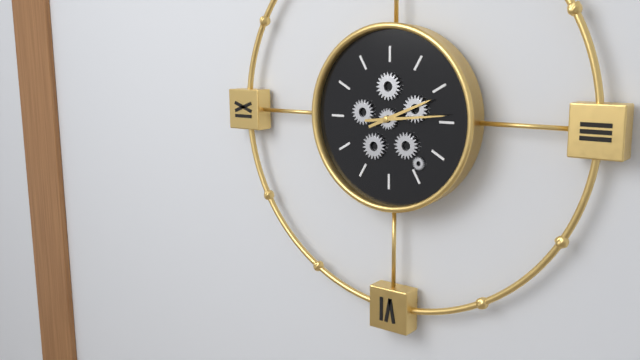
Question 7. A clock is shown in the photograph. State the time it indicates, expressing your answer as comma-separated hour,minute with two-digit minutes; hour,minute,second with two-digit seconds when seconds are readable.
2,14
